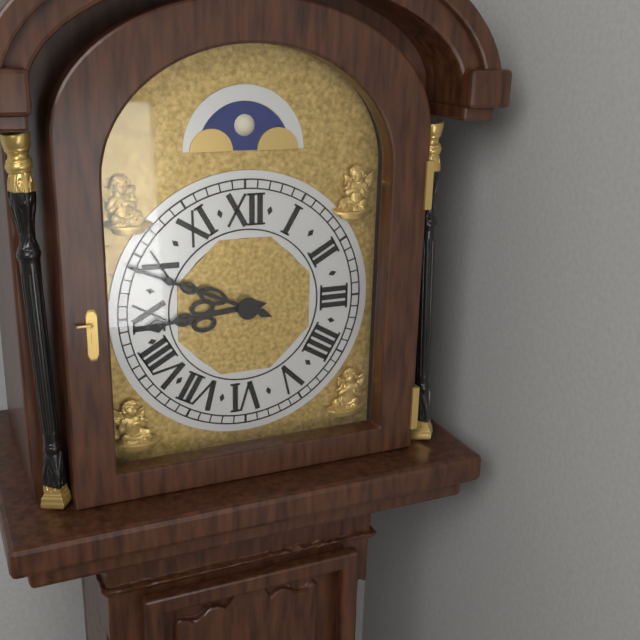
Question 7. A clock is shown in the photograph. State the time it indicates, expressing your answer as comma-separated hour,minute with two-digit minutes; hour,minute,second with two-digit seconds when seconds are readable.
8,49
